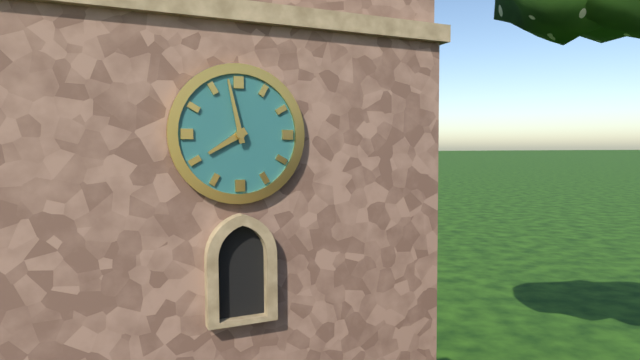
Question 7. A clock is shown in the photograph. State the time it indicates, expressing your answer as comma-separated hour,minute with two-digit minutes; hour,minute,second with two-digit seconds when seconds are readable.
7,58
